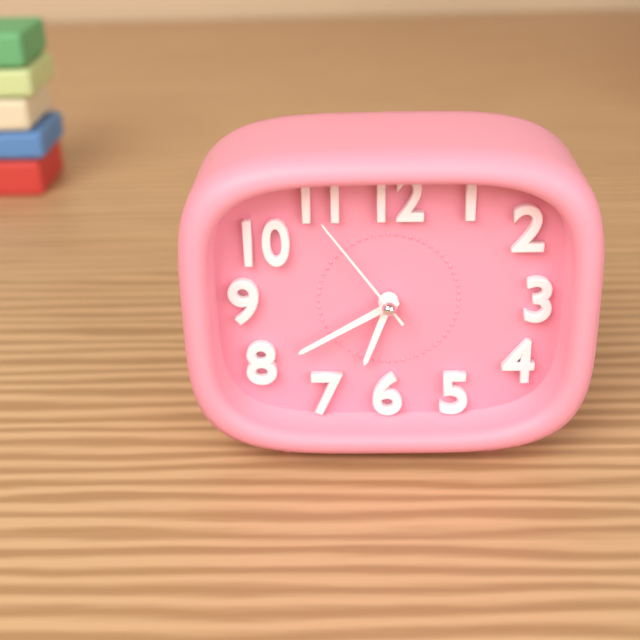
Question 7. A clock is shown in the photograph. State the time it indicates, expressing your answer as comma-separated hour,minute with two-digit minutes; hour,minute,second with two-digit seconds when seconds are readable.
6,40,54
